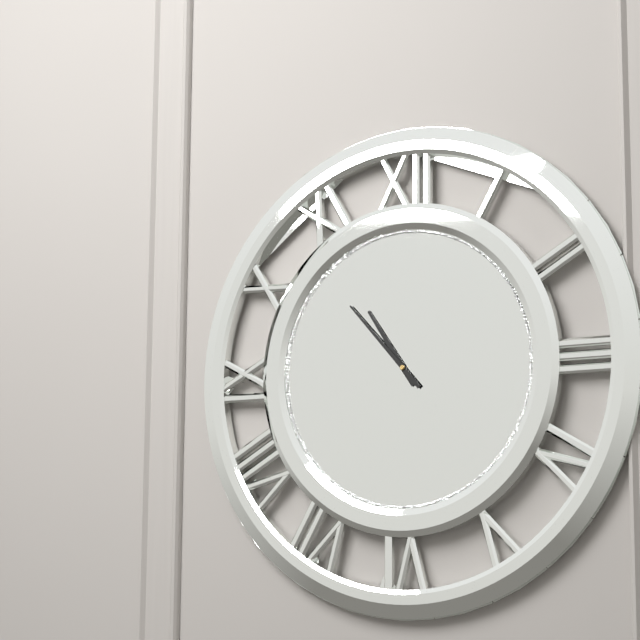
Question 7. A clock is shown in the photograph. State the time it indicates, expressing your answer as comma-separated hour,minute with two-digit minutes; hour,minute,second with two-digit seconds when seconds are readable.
10,53
